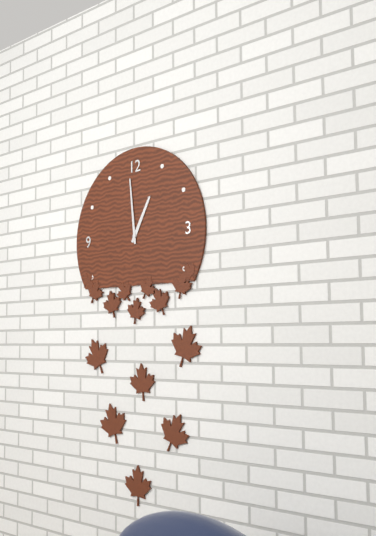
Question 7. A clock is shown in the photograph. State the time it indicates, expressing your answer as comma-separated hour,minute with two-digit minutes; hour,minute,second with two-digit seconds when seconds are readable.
12,59
